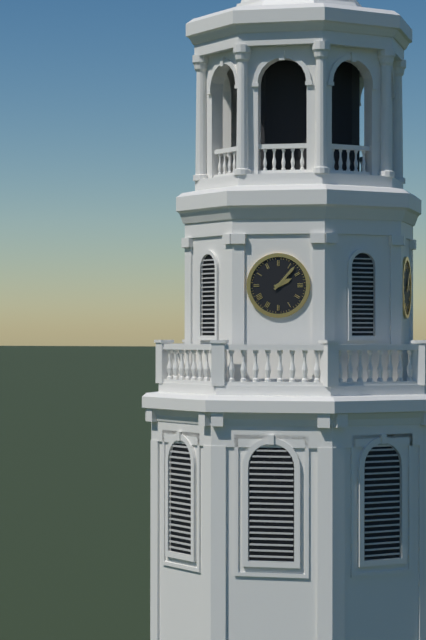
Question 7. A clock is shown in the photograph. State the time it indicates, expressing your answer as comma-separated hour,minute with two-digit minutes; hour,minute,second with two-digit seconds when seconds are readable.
2,07
